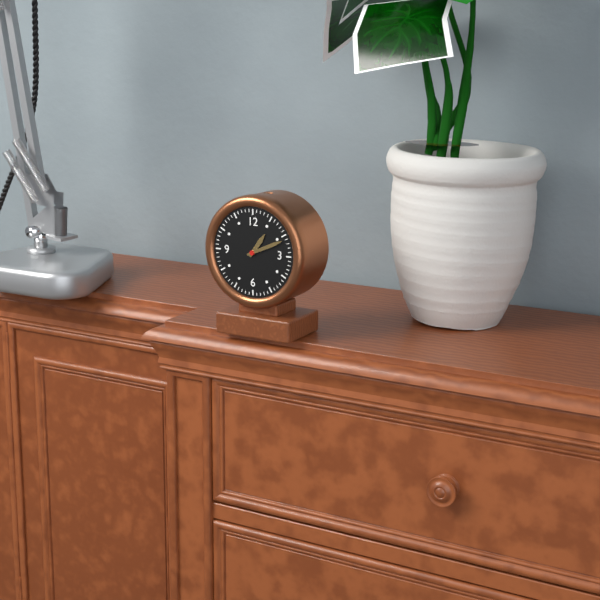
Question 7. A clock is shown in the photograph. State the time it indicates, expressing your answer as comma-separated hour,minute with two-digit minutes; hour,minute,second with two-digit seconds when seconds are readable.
1,11
